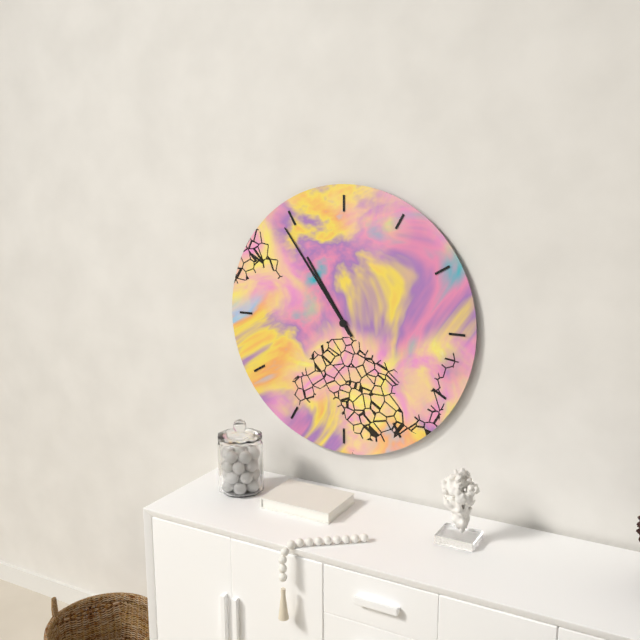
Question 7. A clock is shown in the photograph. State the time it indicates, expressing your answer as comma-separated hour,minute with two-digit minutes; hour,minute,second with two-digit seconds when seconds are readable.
10,54
